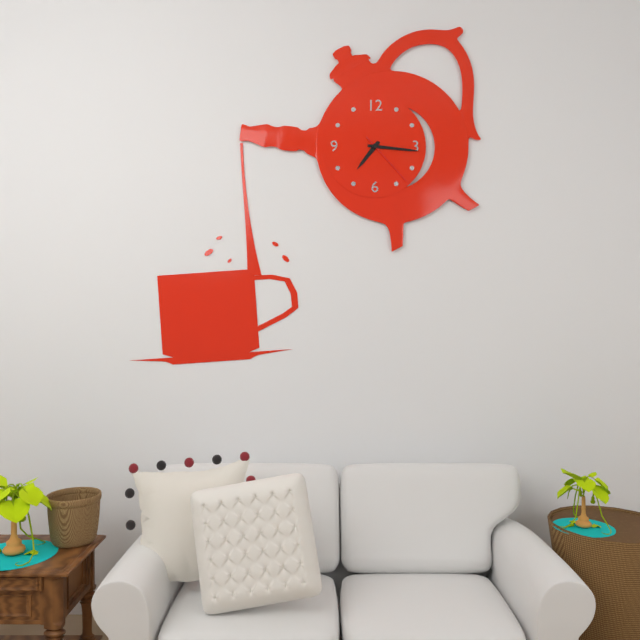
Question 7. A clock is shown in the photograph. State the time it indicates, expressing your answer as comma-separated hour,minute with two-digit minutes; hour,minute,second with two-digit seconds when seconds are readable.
7,16,23
